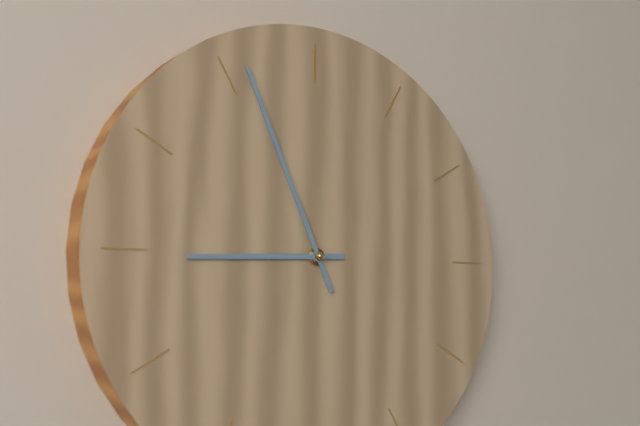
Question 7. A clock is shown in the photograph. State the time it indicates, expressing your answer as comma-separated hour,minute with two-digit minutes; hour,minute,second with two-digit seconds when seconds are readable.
8,56
